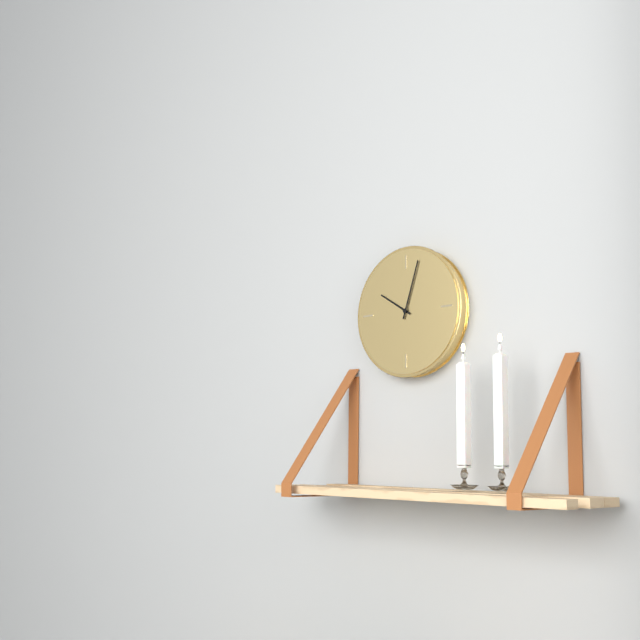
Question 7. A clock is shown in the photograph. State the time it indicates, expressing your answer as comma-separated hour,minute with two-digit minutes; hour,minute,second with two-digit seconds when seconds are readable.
10,03
